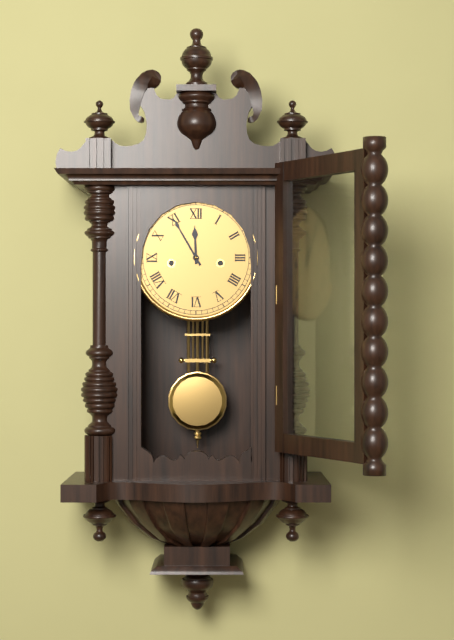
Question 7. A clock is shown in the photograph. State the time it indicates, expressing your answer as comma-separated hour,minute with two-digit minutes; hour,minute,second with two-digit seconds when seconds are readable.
11,55
